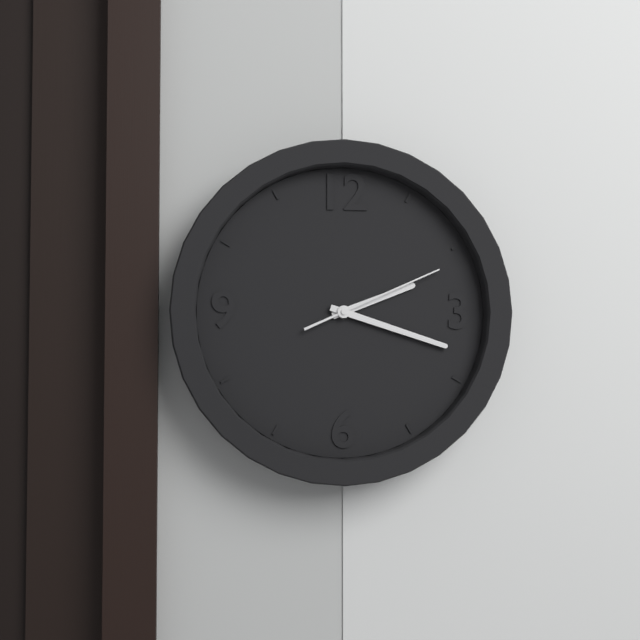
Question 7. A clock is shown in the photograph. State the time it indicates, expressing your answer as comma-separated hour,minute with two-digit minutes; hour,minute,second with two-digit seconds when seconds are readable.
2,18,11
